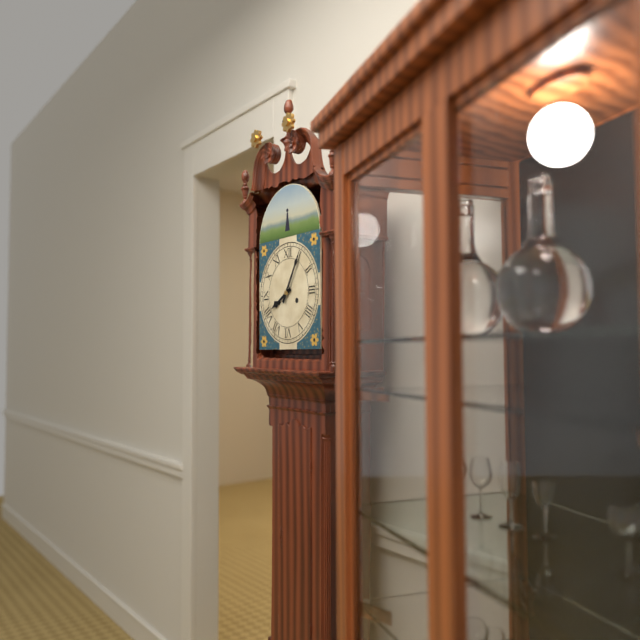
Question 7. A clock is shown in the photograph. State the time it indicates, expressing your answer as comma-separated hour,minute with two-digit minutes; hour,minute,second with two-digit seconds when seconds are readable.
8,05
